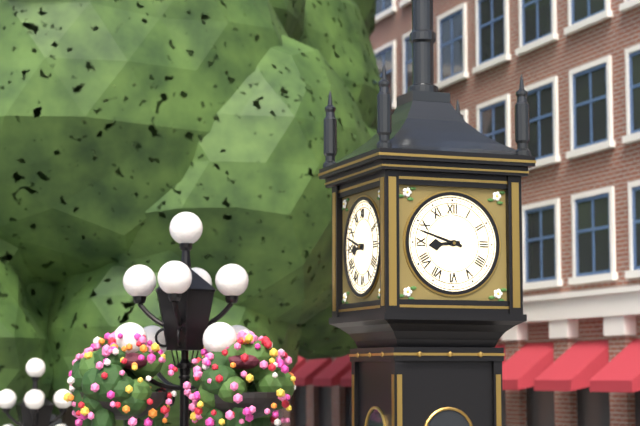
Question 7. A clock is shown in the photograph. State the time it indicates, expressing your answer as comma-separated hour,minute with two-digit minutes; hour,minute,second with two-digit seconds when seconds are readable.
8,48
